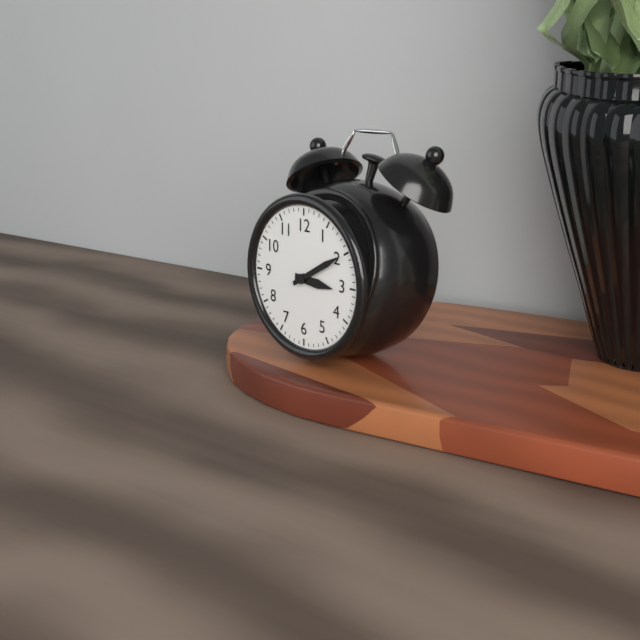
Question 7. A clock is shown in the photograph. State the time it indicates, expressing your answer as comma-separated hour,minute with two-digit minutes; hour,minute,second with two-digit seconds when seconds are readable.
3,10
